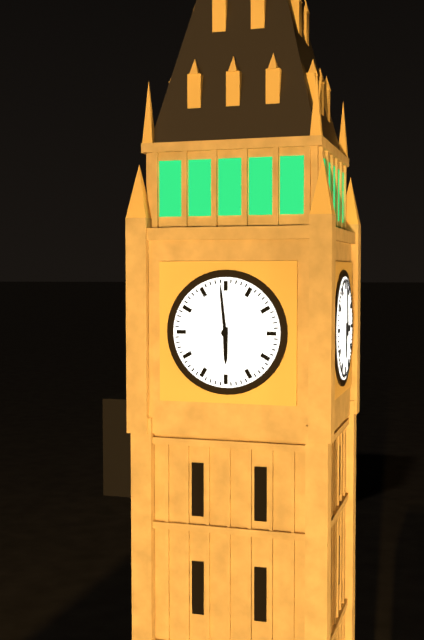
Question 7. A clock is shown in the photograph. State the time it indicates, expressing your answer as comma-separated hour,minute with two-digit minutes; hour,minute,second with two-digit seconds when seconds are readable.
5,59
